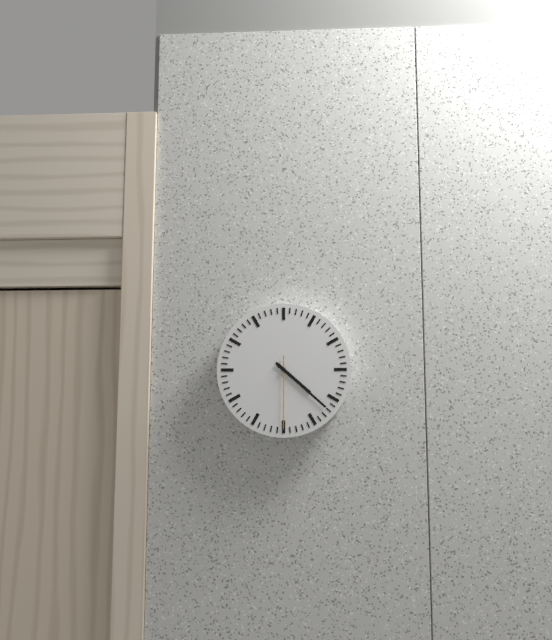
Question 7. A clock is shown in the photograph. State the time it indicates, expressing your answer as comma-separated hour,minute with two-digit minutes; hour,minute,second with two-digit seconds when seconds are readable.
4,22,30
